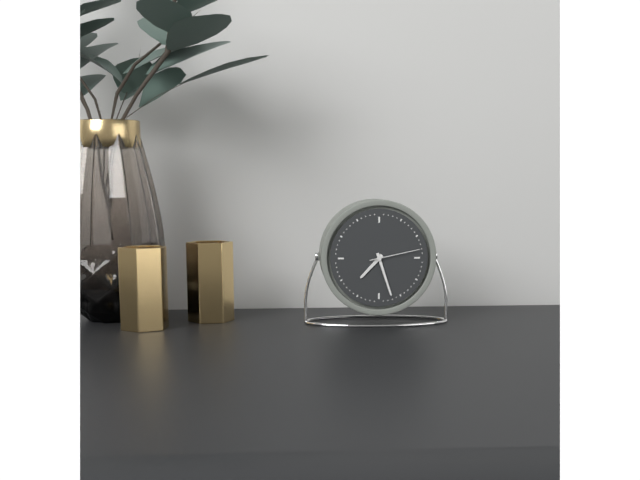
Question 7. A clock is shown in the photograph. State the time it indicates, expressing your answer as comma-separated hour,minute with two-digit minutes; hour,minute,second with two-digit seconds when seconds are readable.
7,27,13
